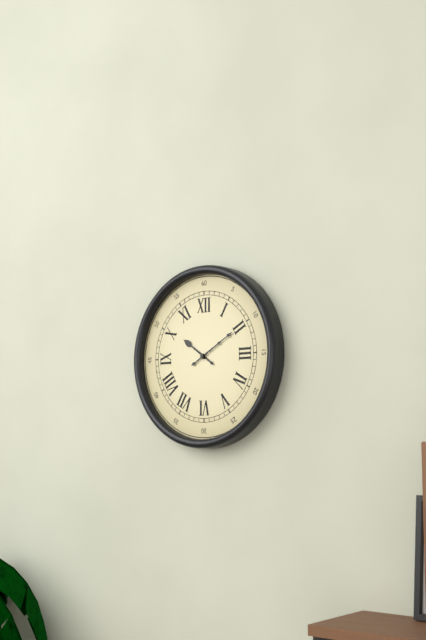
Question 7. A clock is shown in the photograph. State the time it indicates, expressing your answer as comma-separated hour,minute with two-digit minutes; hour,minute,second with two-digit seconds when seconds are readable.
10,10
